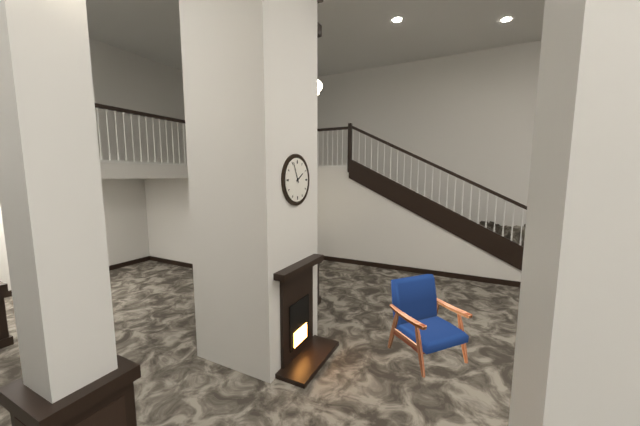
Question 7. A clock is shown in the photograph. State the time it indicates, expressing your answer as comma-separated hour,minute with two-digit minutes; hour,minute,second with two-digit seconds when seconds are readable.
1,56
